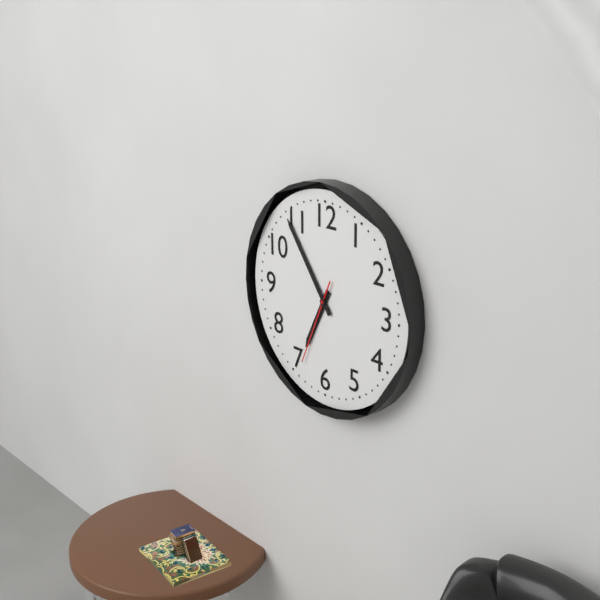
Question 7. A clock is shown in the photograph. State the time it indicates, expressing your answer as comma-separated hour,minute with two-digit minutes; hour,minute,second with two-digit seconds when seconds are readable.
6,54,34
